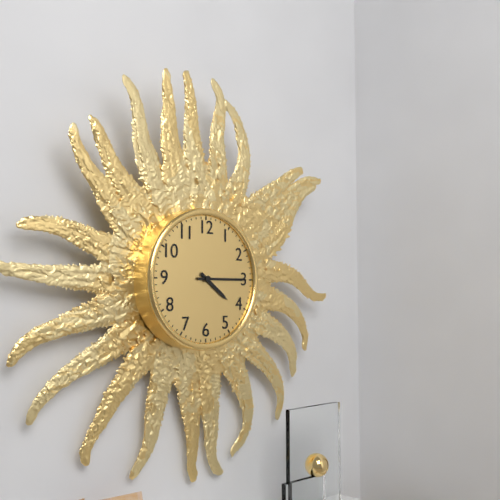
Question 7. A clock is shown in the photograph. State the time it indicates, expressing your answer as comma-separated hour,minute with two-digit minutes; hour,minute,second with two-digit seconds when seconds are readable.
4,15
